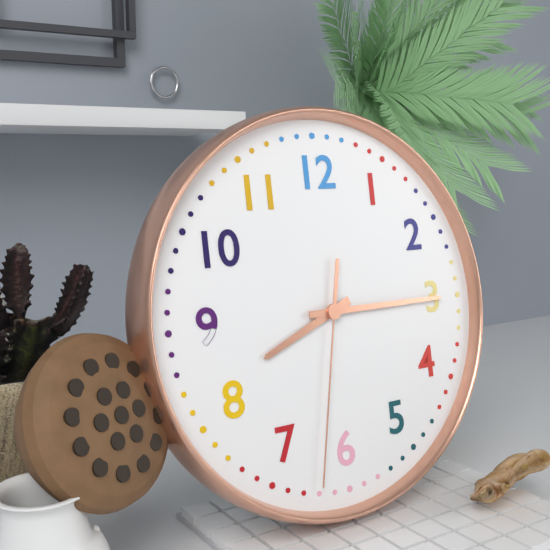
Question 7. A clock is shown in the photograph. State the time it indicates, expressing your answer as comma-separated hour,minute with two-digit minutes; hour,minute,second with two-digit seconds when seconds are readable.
8,15,32
